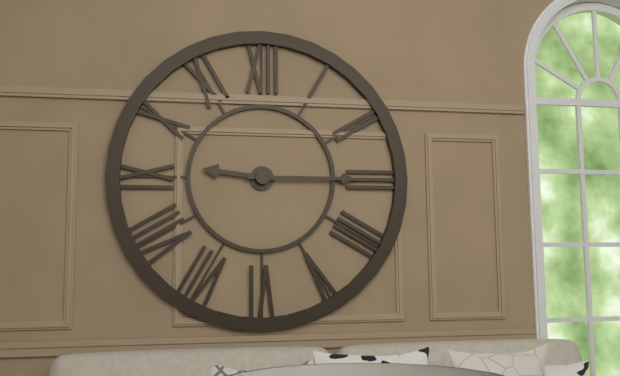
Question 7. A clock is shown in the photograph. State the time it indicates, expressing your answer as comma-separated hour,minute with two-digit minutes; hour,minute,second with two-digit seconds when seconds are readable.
9,15
